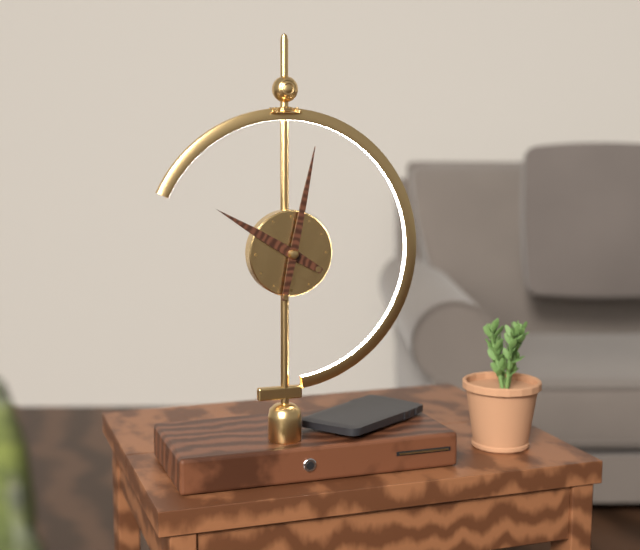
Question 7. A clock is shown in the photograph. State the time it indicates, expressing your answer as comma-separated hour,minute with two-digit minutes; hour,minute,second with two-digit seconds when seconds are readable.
10,02
